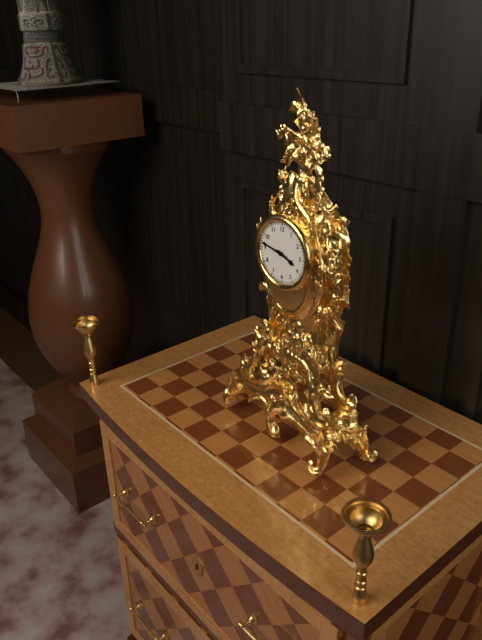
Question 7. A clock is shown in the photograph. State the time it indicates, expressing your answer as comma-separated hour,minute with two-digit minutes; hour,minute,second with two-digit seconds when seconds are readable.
3,47
